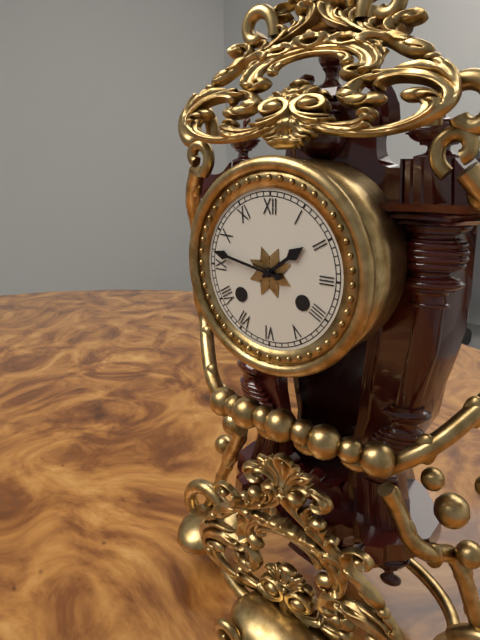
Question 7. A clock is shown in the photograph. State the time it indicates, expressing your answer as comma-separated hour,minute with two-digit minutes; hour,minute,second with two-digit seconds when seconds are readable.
1,47
